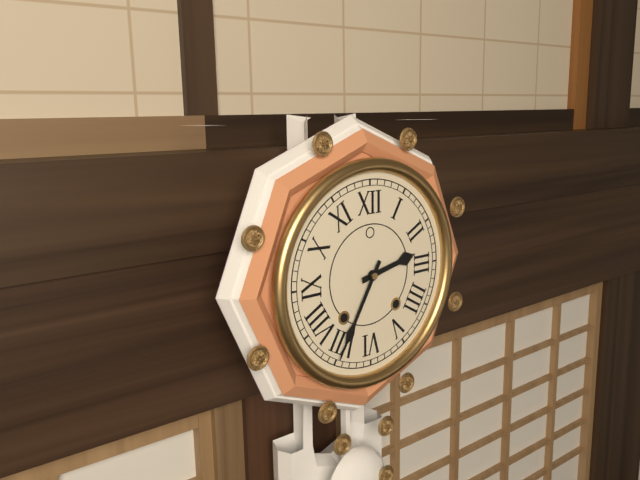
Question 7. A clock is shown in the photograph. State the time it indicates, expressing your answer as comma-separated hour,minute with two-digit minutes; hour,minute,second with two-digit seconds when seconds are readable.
2,35
